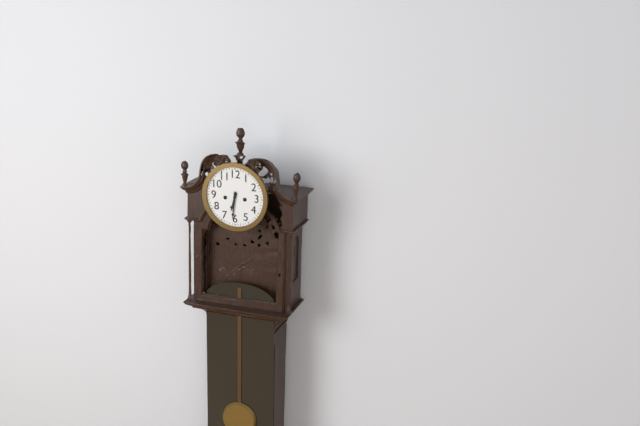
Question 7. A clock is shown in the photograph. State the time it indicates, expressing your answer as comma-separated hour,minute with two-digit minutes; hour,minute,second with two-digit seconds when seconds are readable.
6,31
